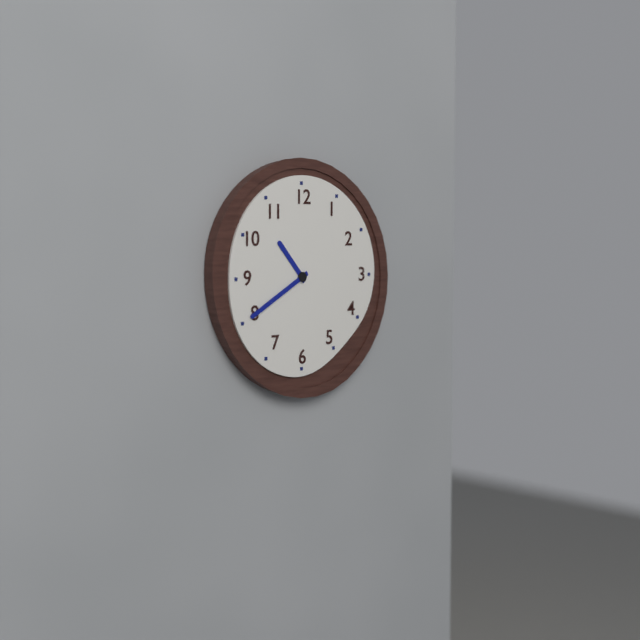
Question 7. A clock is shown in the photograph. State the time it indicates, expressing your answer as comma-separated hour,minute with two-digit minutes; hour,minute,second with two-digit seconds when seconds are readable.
10,40
